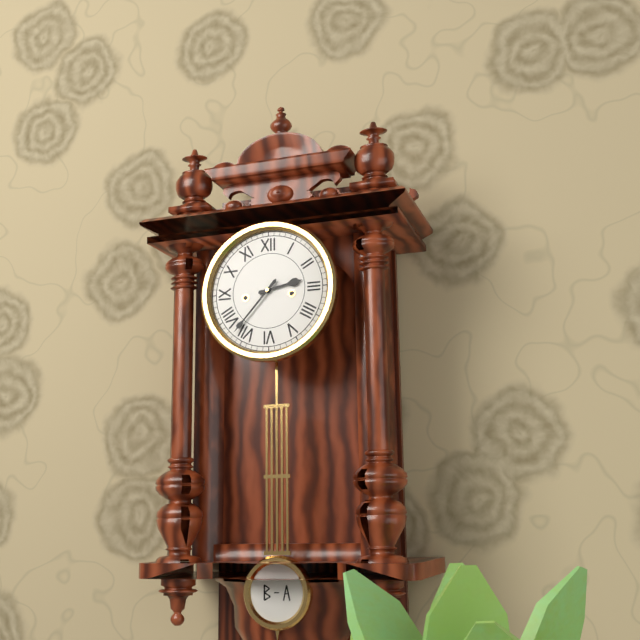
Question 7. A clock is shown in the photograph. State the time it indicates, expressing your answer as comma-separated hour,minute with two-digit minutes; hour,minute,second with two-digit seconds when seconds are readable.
2,37
